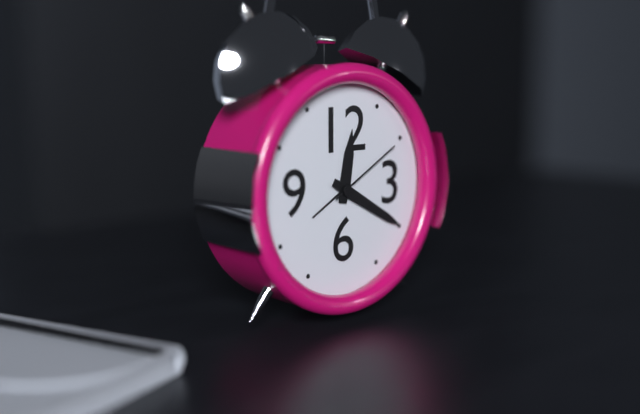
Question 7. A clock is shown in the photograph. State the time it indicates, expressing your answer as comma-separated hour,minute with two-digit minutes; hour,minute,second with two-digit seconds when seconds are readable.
12,20,10
